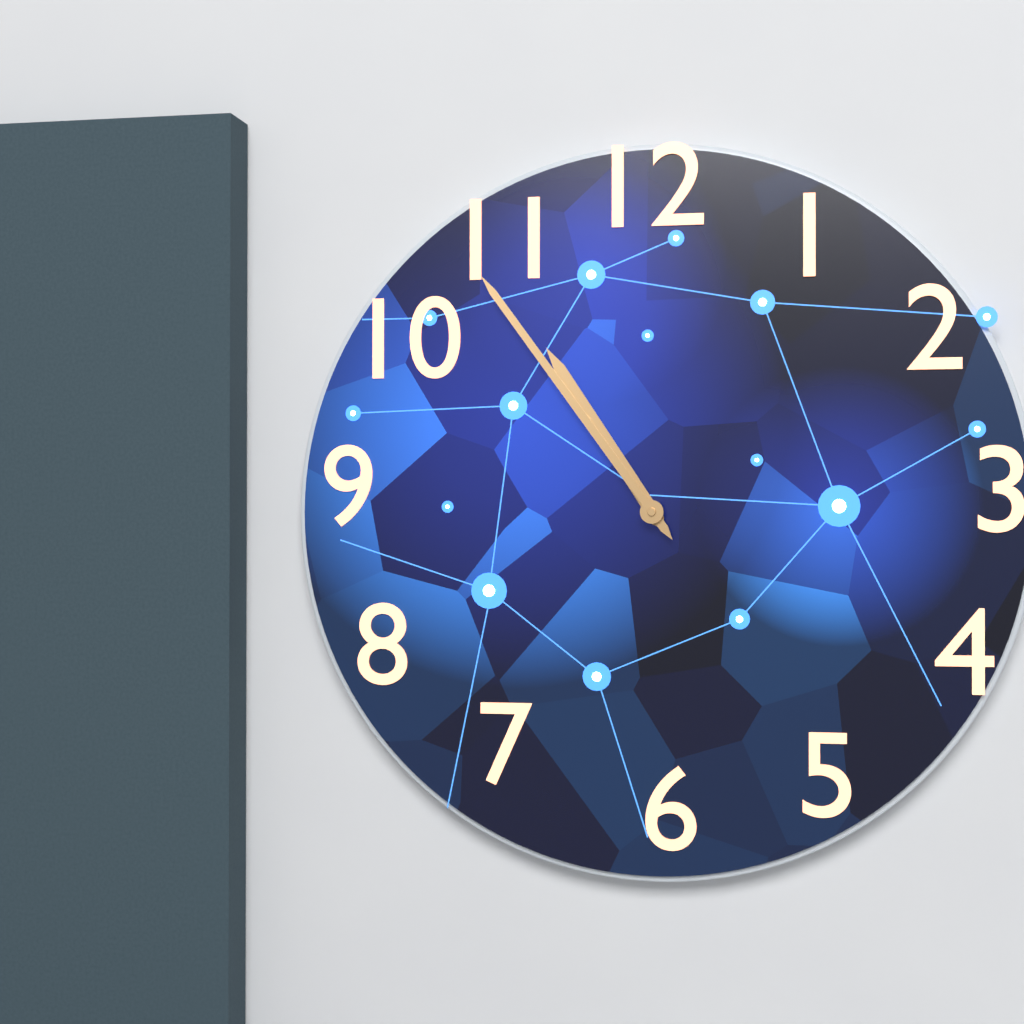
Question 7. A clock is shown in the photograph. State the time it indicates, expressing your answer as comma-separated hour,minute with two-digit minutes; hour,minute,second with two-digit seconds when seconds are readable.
10,54
